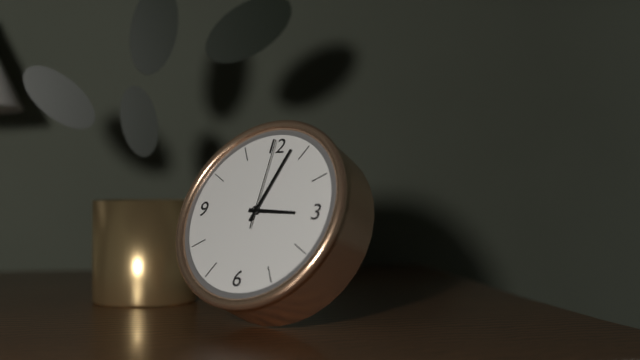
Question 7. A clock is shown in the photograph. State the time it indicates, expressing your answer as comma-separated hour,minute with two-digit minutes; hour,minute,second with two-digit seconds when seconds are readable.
3,03,00
